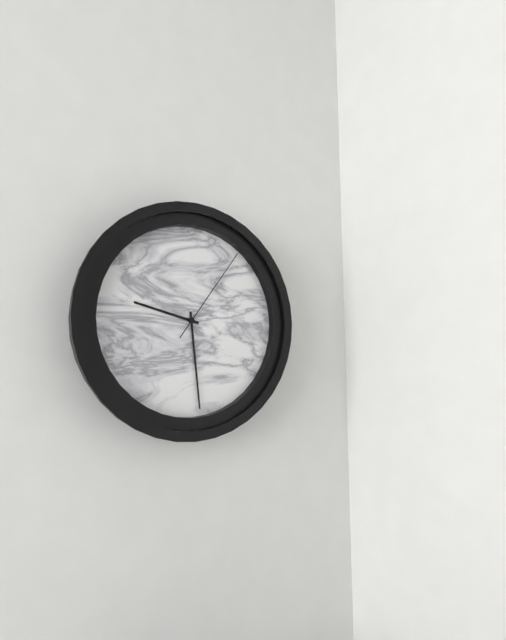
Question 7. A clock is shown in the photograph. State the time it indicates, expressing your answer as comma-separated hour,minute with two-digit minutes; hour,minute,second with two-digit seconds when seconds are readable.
9,29,06
